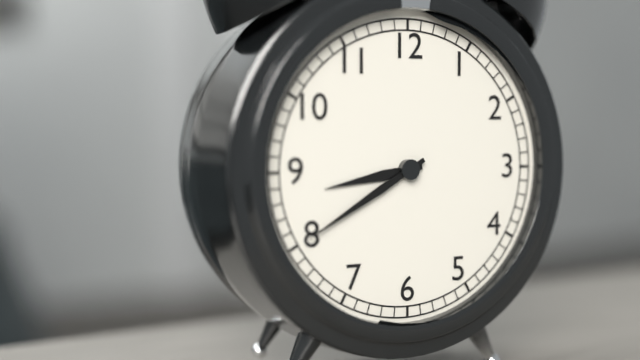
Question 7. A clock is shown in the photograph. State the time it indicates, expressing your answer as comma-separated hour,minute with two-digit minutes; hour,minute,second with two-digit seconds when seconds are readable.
8,40
